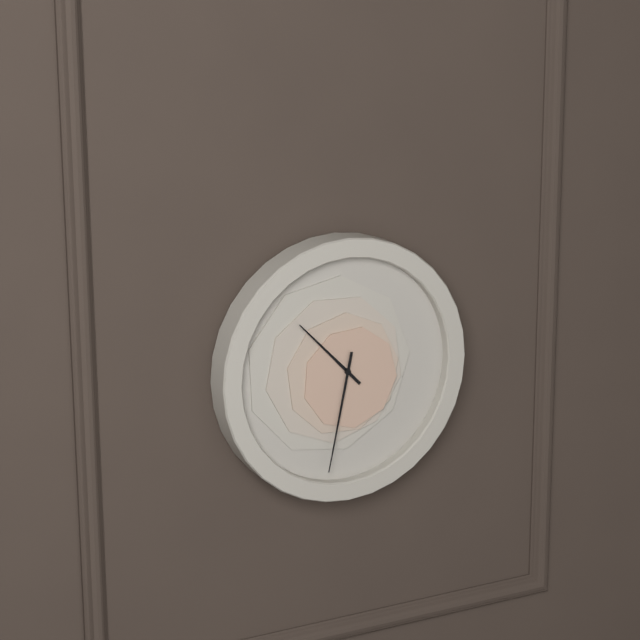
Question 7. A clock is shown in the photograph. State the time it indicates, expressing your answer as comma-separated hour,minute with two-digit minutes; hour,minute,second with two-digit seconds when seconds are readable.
10,32
